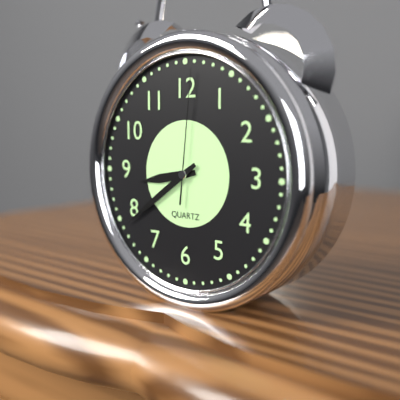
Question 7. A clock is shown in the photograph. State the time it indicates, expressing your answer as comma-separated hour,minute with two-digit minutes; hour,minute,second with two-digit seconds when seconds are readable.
8,39,01
